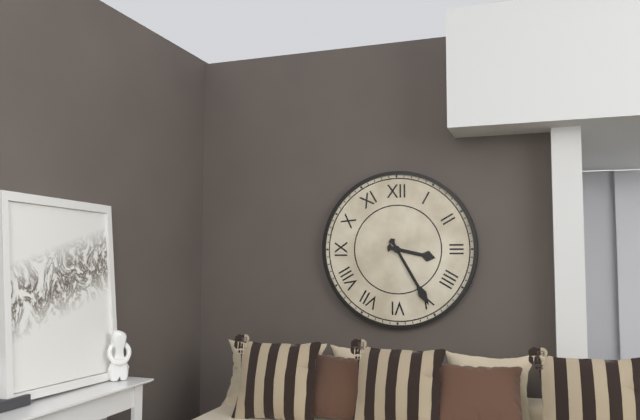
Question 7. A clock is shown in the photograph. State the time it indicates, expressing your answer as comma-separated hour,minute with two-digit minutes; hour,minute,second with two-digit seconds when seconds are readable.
3,25
